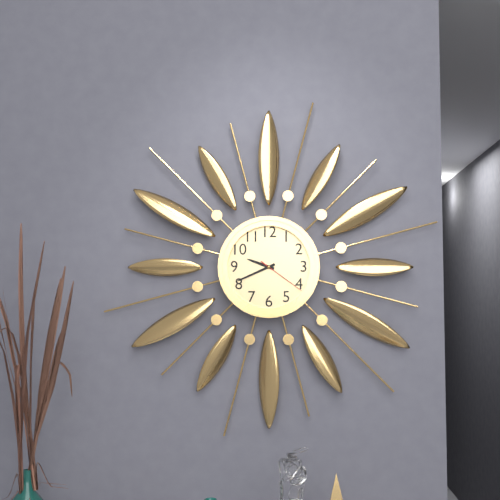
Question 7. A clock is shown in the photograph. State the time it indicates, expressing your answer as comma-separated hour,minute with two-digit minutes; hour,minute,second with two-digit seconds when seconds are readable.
9,41,21
